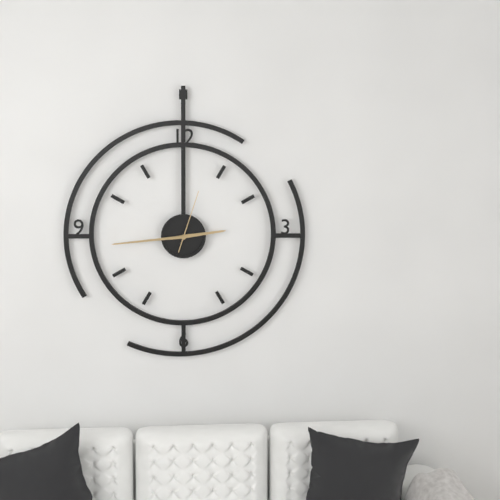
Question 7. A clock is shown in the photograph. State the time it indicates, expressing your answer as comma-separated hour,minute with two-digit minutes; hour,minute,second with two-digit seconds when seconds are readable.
2,44,03
